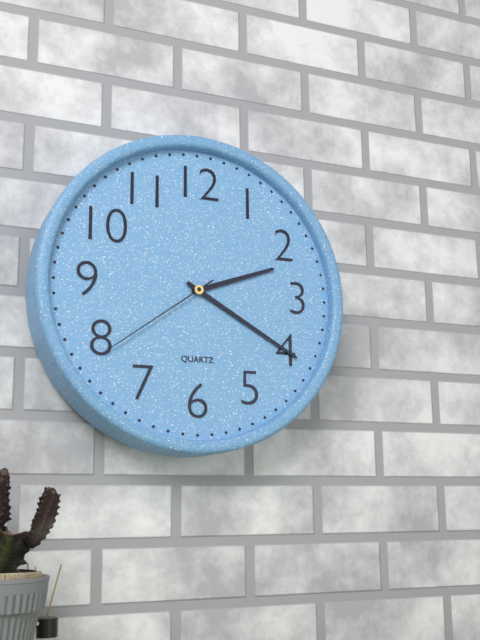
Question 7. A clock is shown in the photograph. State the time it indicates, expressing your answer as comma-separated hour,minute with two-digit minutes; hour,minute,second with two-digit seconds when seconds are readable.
2,20,39
